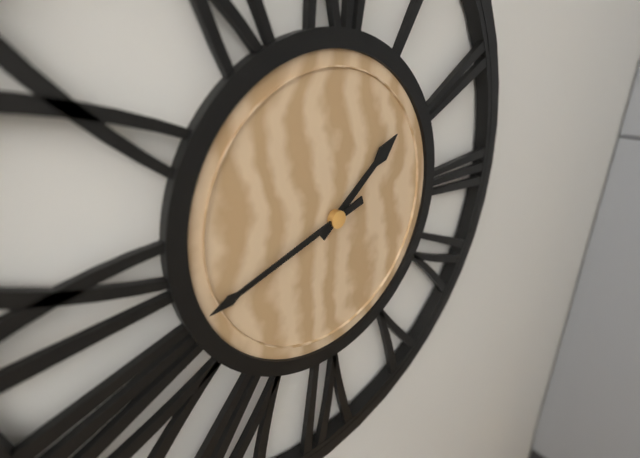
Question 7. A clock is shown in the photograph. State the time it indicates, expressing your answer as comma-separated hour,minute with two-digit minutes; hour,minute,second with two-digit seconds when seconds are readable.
1,42
